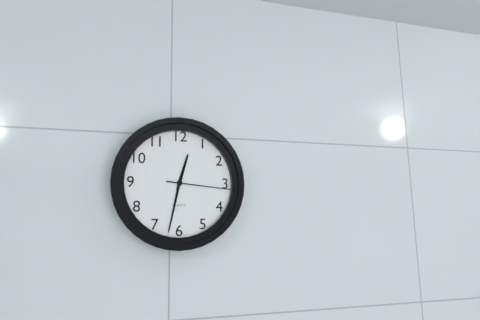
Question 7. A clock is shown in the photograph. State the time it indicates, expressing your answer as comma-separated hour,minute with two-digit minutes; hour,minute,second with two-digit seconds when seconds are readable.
12,32,16
